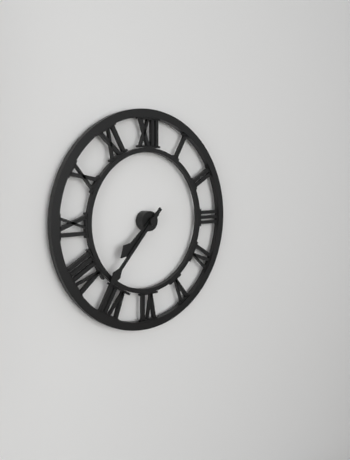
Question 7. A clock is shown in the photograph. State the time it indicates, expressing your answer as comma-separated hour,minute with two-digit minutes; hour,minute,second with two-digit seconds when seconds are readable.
7,37
